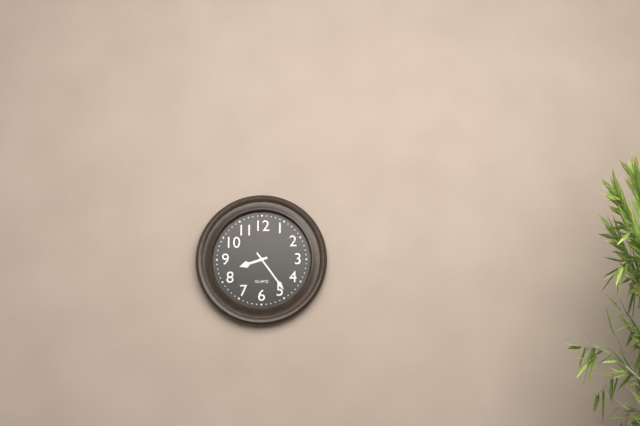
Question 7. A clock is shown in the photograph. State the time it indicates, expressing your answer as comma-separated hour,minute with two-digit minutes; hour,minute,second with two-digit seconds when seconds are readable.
8,24
